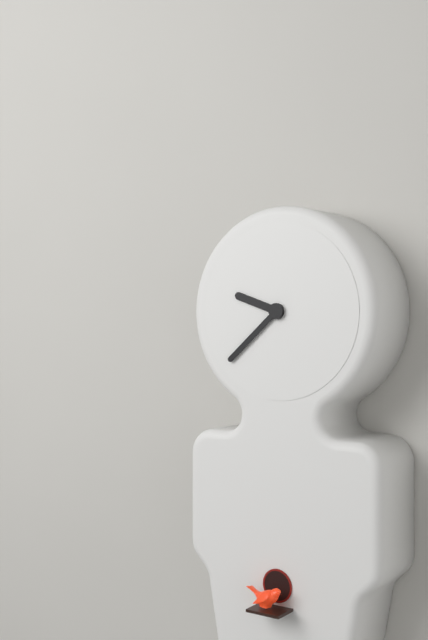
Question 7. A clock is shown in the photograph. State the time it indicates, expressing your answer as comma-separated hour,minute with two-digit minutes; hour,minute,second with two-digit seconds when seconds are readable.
9,38
